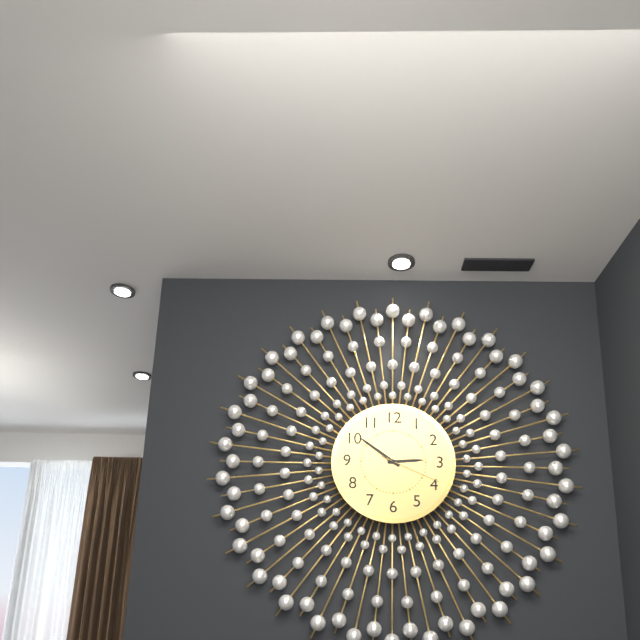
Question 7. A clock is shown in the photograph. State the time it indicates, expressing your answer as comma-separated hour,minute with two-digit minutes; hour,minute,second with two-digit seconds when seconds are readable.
2,51,19
